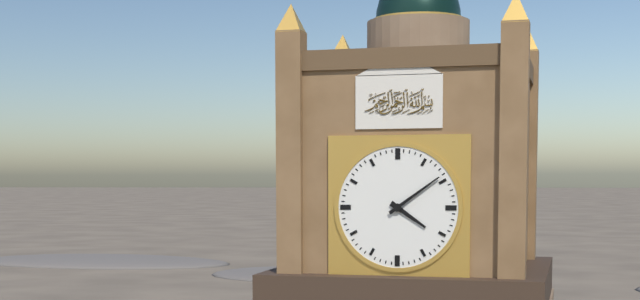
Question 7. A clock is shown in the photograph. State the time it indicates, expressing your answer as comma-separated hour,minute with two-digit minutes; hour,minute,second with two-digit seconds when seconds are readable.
4,09
